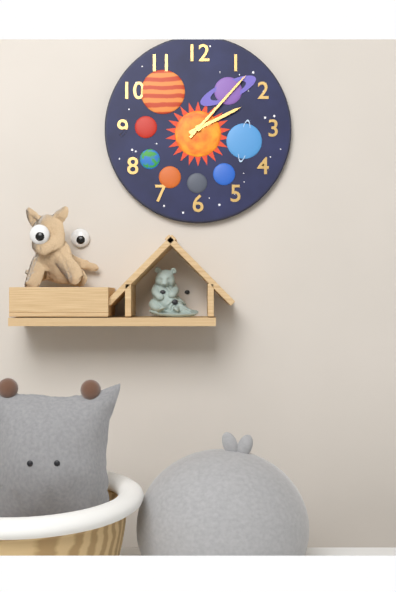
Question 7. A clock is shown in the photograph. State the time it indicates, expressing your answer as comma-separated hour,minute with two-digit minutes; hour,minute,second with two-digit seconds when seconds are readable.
2,07
